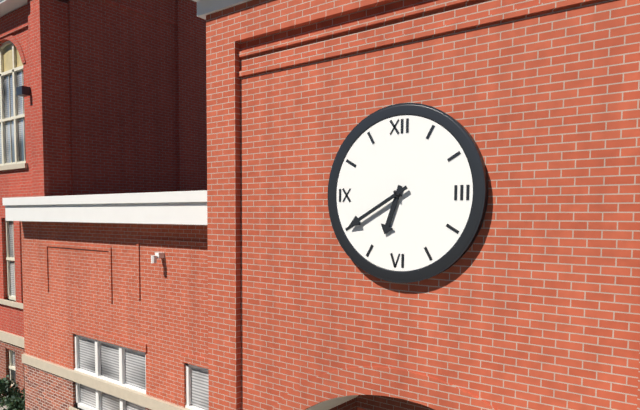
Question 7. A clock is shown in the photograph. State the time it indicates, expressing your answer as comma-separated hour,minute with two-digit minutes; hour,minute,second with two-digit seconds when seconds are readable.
6,40
